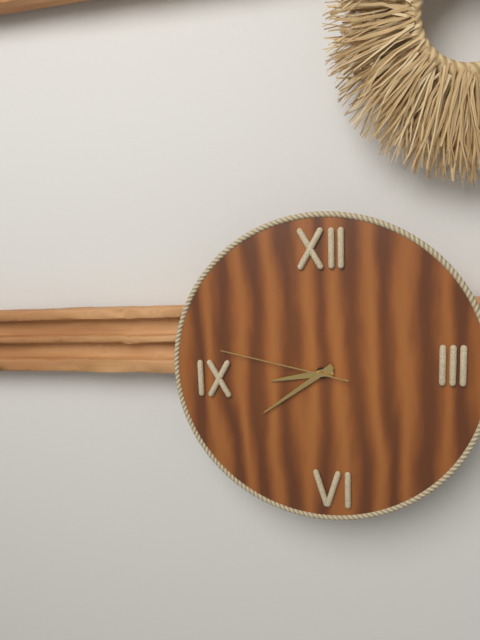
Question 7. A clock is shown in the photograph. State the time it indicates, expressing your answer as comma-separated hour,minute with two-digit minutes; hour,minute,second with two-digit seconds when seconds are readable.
8,39,47
